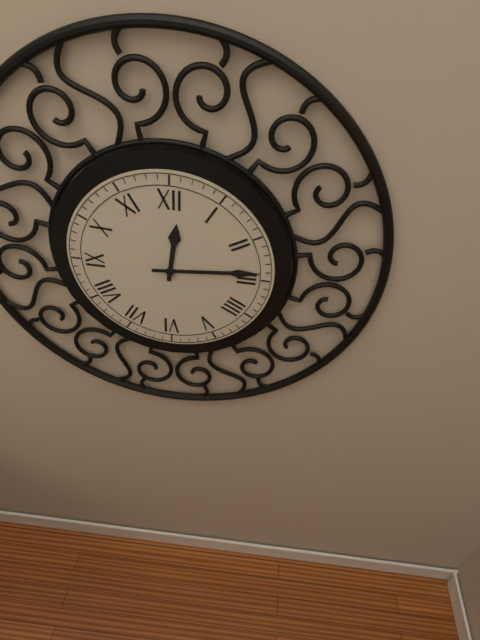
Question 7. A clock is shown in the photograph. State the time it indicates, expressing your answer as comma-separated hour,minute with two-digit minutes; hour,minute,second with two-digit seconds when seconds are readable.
12,14
